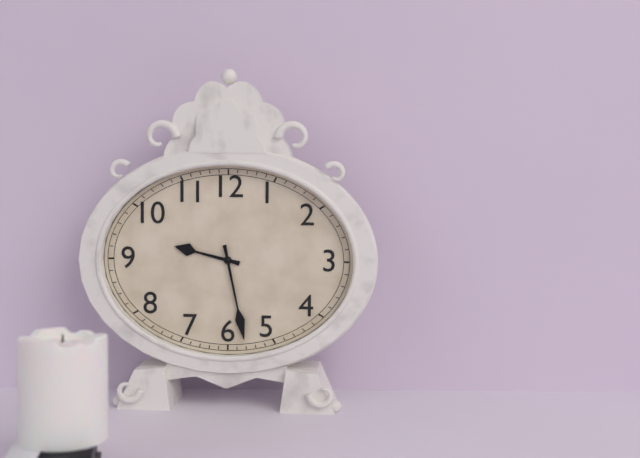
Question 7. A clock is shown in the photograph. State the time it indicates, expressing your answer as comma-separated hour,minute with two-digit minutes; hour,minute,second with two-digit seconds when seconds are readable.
9,28
